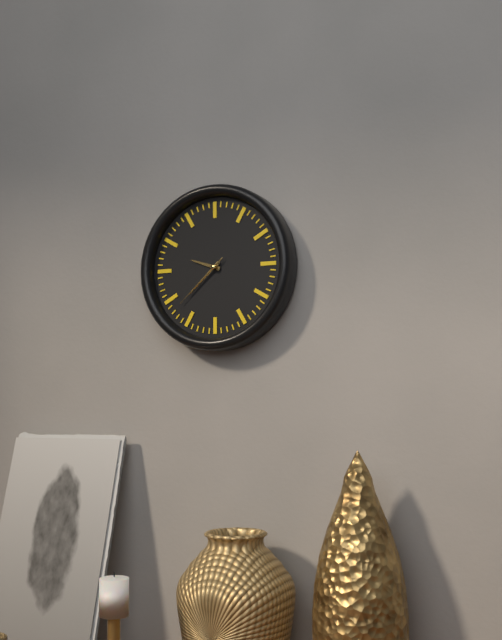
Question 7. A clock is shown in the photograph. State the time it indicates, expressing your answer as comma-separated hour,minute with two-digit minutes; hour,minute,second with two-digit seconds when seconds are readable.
9,38,38
